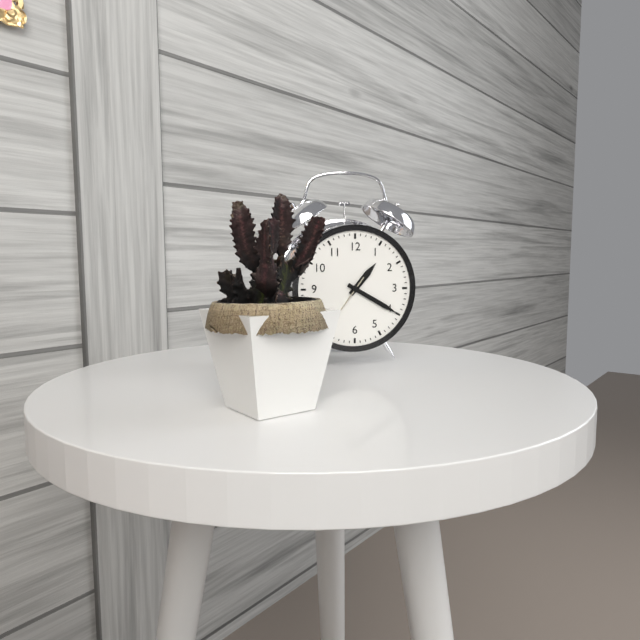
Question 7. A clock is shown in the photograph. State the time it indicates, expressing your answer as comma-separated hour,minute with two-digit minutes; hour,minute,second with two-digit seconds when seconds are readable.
1,20
